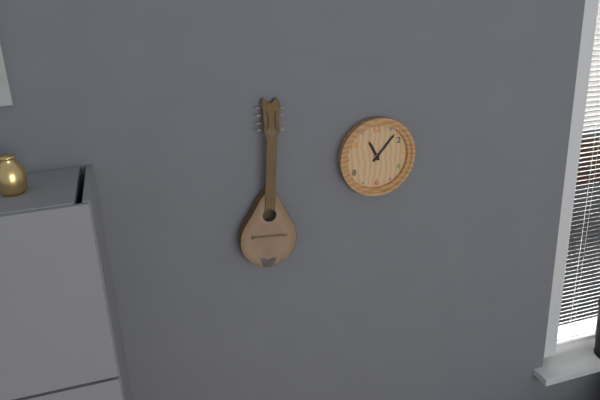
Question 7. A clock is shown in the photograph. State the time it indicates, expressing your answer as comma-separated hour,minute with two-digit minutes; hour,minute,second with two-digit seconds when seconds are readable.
11,07
